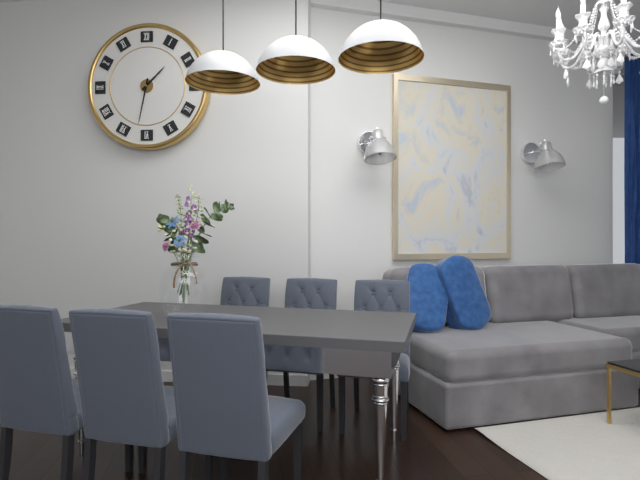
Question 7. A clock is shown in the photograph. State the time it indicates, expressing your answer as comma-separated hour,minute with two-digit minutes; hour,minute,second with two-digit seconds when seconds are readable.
1,32
